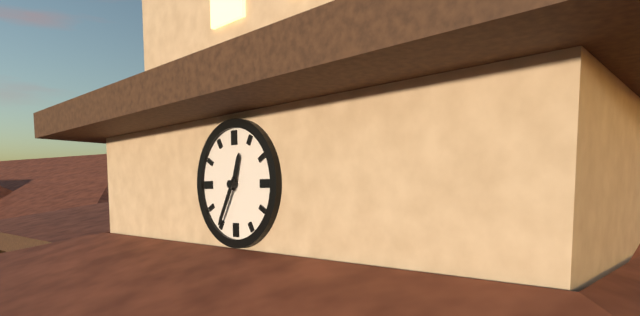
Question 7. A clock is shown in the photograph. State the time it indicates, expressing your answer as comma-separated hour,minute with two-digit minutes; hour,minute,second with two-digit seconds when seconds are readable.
12,35
